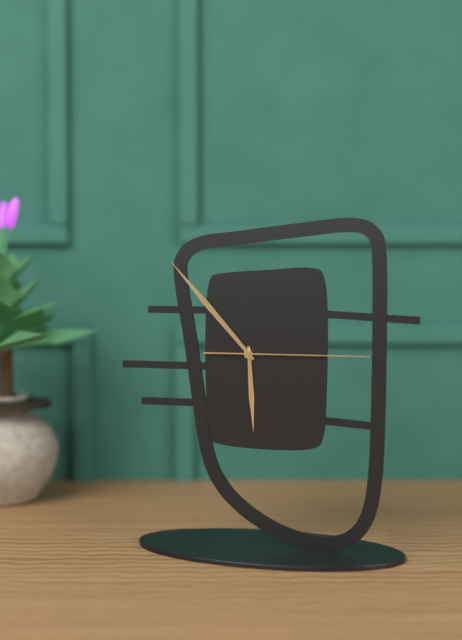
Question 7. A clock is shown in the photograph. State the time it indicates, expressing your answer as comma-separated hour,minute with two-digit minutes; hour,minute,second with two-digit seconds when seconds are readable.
5,53,15
